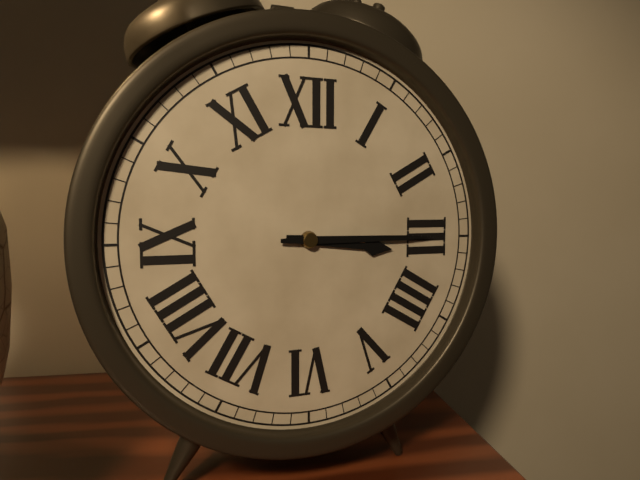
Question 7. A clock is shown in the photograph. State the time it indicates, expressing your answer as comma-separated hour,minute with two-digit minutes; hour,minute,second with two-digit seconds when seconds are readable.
3,15
